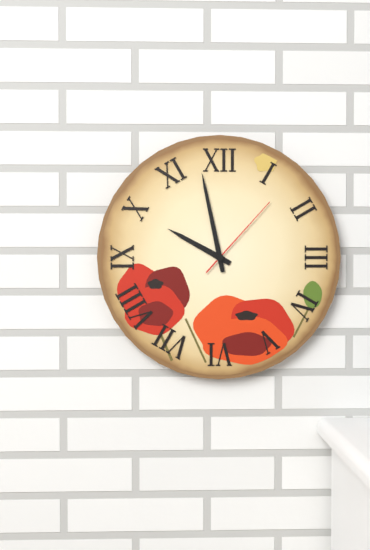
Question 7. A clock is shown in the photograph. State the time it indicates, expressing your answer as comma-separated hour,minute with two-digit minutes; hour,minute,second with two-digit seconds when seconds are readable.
9,58,07
